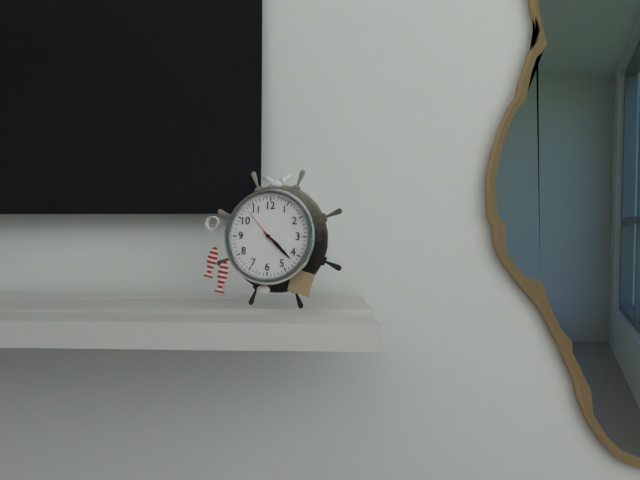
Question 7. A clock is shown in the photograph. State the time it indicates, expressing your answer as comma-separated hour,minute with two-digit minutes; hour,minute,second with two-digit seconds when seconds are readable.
4,22
